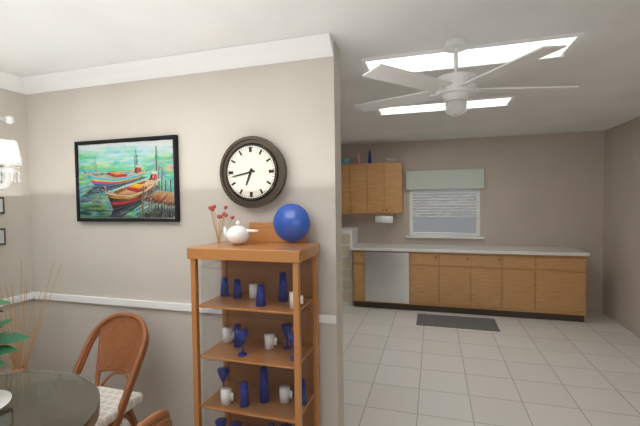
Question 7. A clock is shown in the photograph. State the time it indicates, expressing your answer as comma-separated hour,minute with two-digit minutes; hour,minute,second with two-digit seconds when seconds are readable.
6,43
